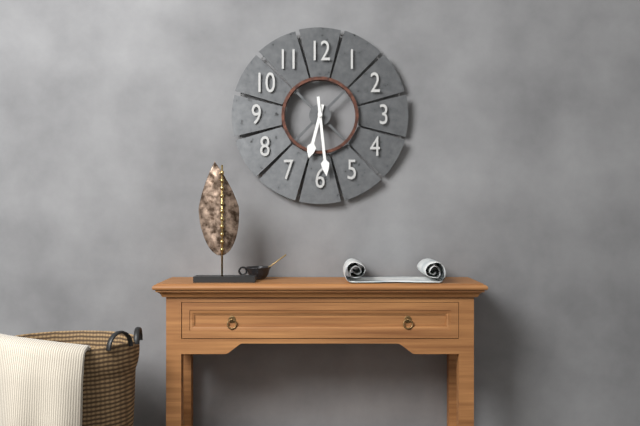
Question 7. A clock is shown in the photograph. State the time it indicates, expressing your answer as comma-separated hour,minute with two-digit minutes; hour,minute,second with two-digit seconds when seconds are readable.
6,29
